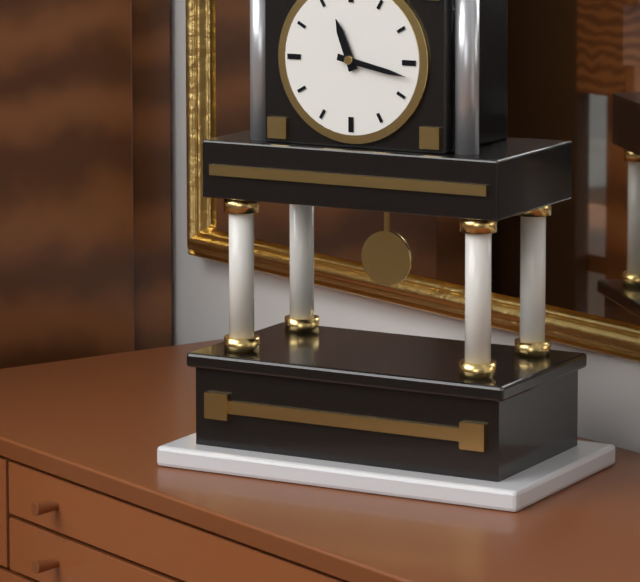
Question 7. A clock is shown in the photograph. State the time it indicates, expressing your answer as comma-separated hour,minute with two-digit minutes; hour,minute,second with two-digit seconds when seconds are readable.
11,17
